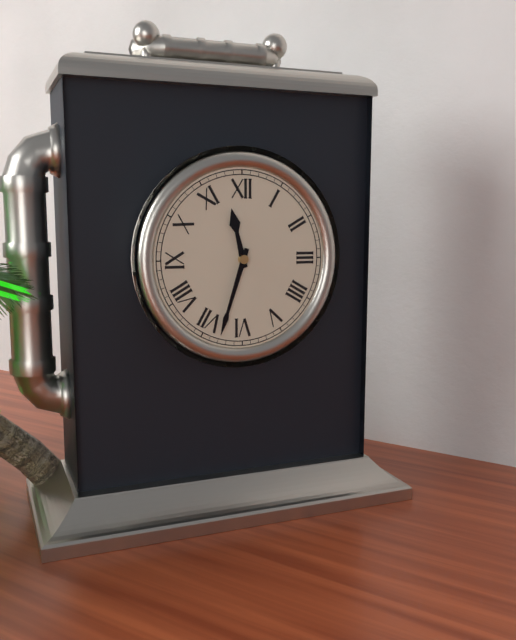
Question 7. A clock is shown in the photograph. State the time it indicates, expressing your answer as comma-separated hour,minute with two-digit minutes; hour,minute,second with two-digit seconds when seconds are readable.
11,33
